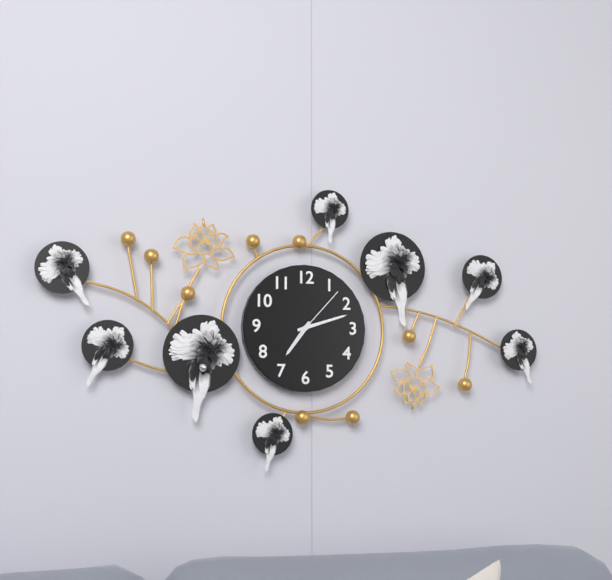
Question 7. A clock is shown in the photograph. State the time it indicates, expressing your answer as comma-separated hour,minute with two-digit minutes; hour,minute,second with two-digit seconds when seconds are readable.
7,12,07
